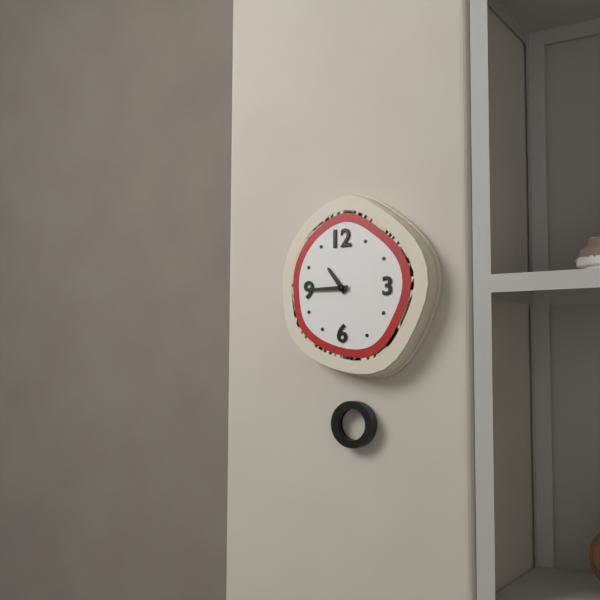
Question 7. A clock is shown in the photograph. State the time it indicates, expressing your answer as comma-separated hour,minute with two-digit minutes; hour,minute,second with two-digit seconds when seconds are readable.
10,45
